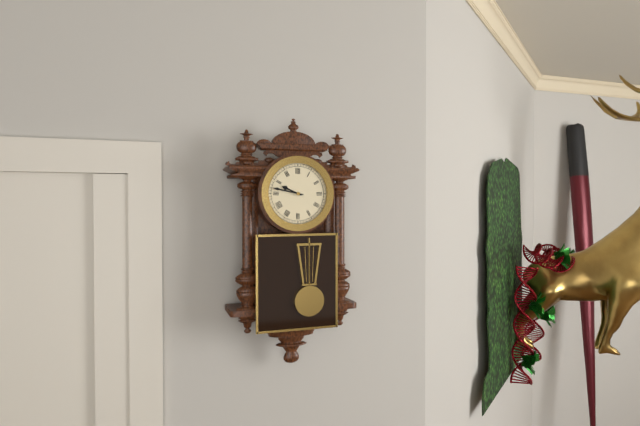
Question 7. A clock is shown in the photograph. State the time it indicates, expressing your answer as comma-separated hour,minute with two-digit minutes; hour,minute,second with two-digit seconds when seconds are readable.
9,47
